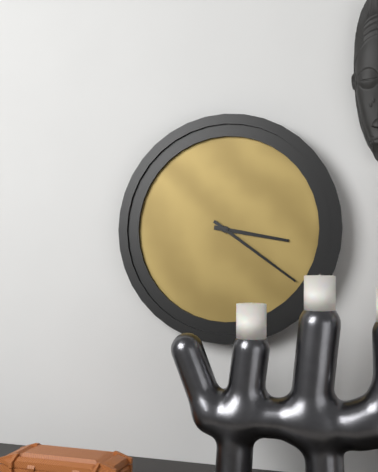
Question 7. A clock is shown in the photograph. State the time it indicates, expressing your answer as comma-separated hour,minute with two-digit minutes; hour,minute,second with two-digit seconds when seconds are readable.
3,21
